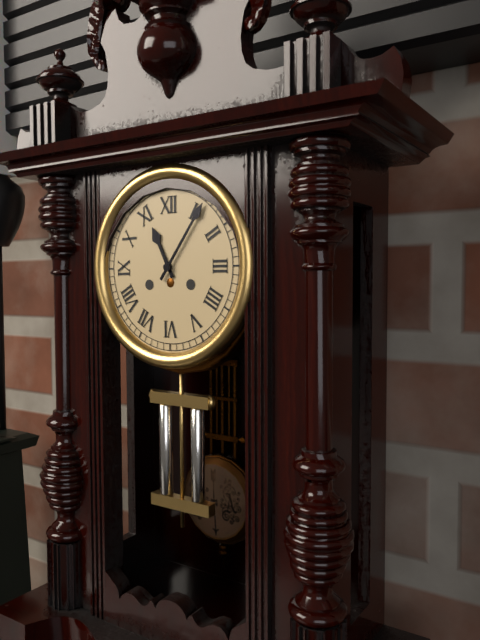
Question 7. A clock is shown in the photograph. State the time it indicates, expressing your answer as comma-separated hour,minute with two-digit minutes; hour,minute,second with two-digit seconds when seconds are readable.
11,06
